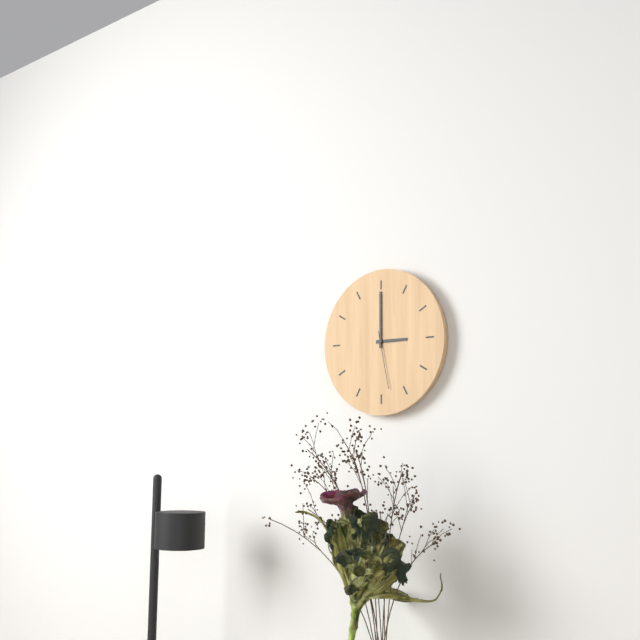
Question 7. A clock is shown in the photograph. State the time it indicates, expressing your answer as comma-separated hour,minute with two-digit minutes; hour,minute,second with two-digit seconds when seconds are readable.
3,00,28
